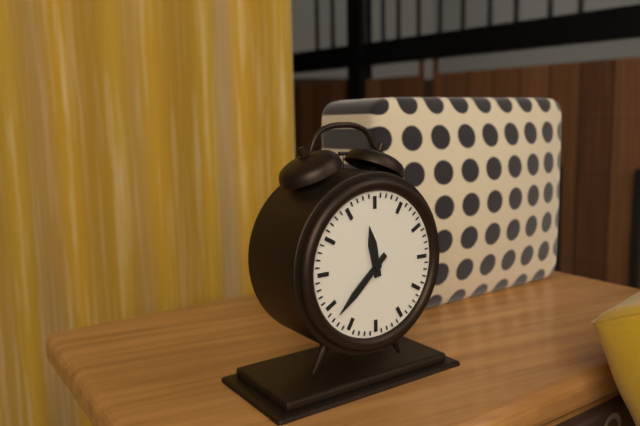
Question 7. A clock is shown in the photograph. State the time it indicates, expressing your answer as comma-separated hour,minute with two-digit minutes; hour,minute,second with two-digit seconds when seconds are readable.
11,38
